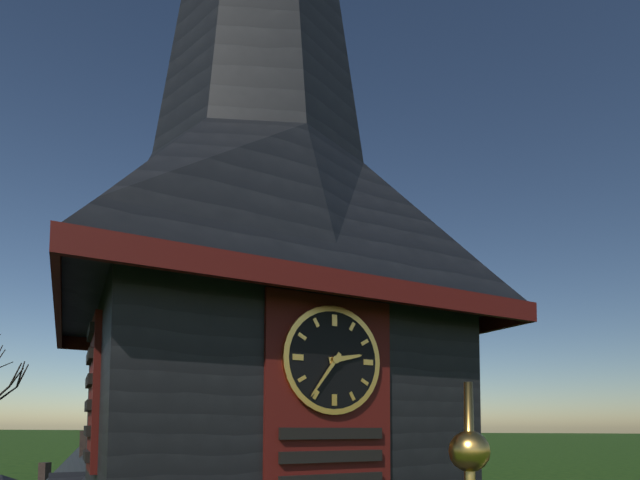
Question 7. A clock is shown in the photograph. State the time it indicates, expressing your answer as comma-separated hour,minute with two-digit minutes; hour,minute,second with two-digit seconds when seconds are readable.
2,36
